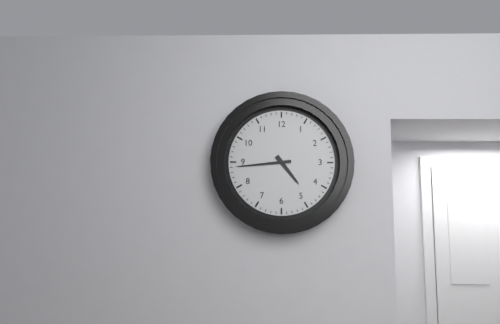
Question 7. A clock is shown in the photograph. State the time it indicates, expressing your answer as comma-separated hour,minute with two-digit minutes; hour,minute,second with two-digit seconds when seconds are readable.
4,44
